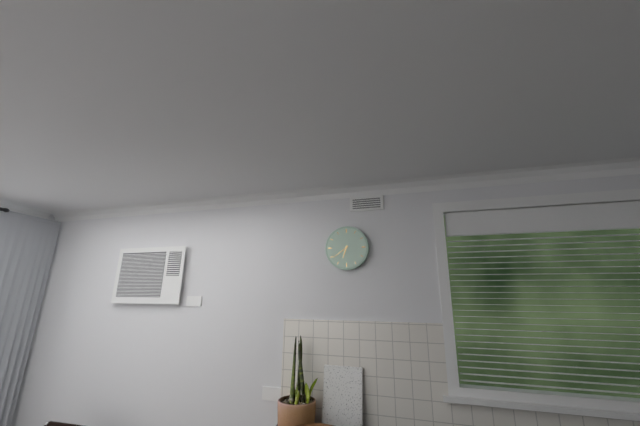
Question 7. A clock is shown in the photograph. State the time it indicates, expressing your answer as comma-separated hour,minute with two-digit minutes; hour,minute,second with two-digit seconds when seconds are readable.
6,39
